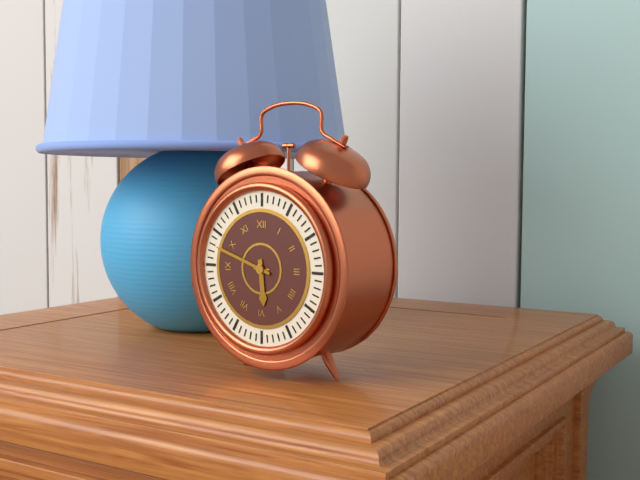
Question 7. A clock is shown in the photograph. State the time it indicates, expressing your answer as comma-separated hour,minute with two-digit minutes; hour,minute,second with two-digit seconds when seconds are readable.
5,48
